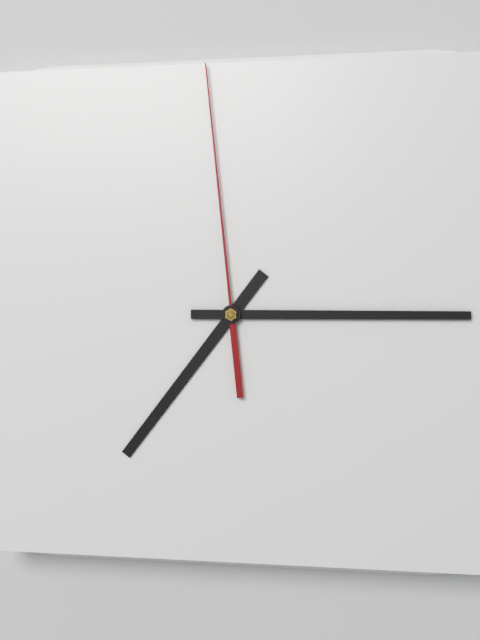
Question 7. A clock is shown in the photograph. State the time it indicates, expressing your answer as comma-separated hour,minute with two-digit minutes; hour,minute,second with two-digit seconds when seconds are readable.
7,15,59
